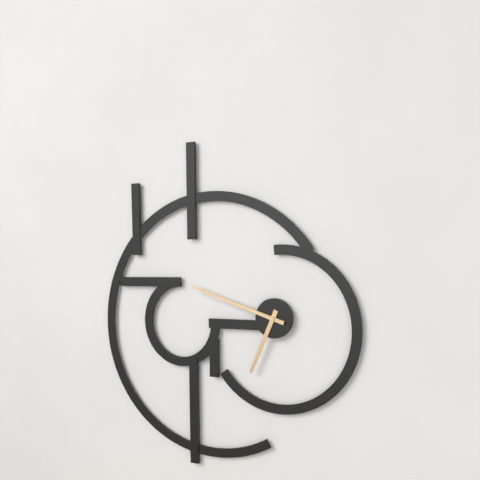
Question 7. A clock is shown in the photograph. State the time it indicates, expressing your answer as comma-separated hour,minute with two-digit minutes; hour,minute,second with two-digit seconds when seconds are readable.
6,48
